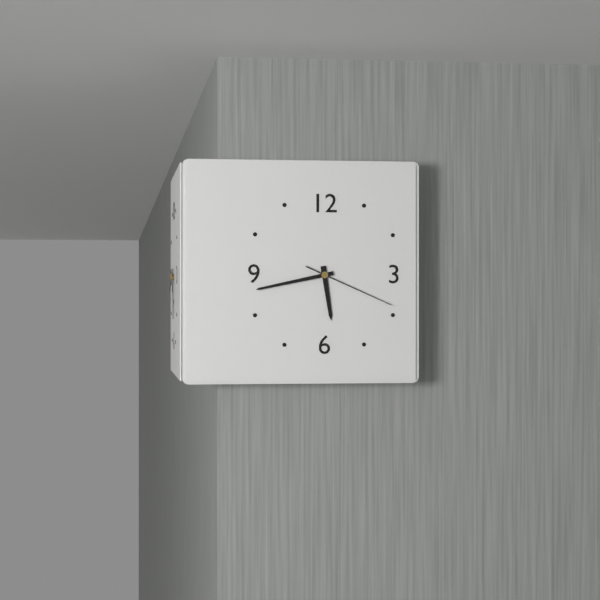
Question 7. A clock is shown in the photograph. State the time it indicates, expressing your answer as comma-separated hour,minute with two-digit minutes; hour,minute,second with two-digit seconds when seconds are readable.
5,43,19
